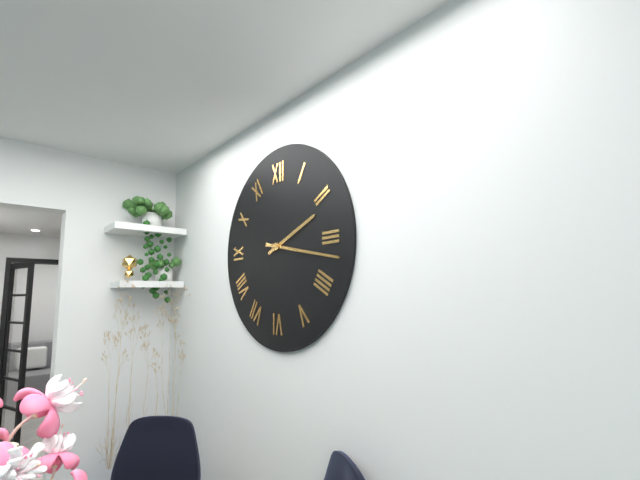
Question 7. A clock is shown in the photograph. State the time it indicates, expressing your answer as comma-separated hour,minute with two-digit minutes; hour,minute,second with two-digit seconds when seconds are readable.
2,17
